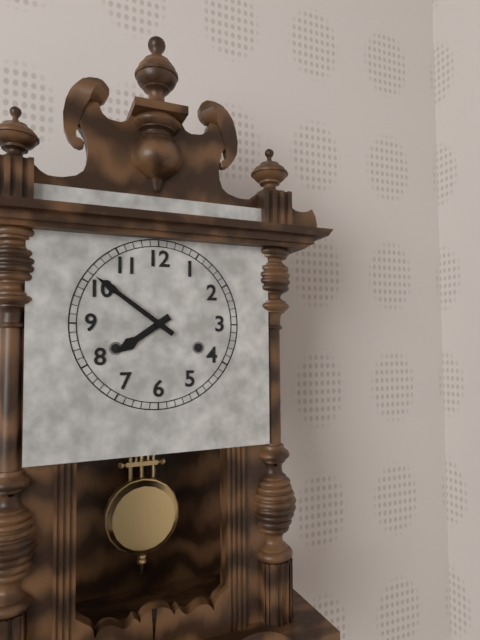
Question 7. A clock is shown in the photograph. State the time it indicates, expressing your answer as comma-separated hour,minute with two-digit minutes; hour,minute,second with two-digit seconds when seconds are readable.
7,51
